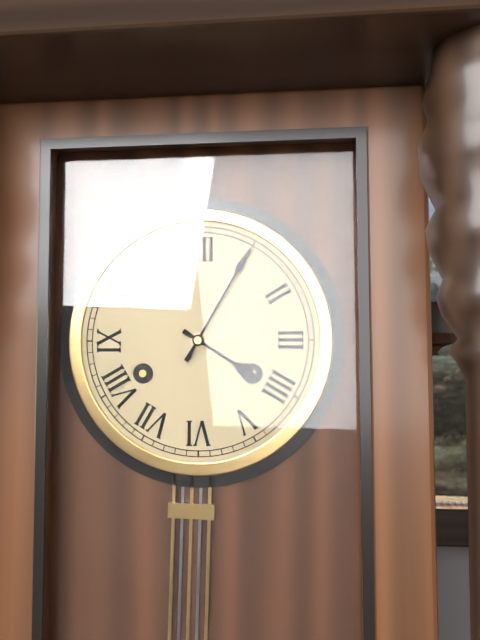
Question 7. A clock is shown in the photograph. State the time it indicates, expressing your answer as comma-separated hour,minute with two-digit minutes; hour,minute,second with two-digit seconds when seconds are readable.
4,05
